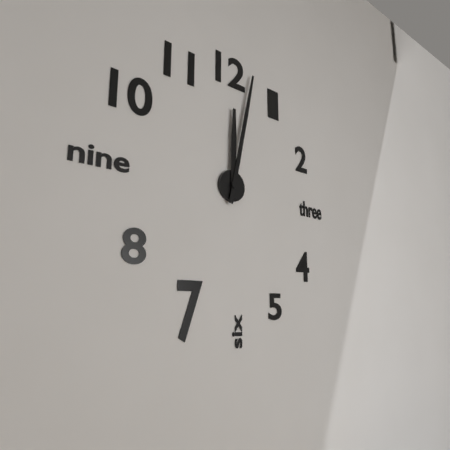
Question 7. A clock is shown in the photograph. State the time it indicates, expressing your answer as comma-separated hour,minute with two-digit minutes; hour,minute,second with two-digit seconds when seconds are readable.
12,02
